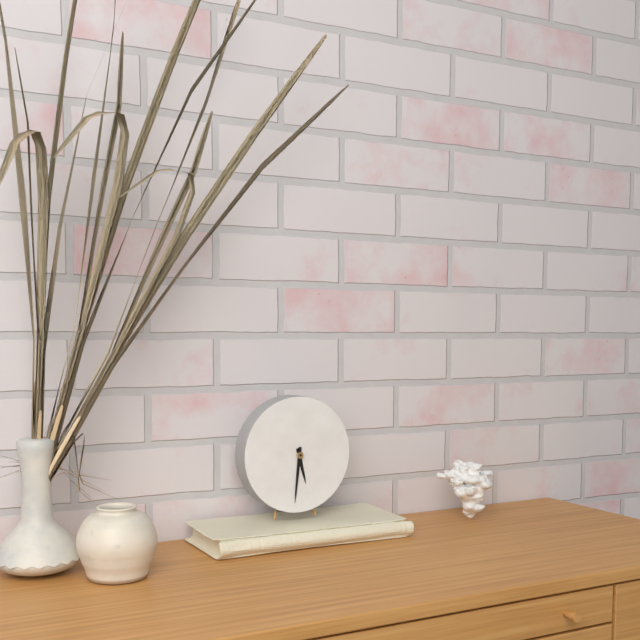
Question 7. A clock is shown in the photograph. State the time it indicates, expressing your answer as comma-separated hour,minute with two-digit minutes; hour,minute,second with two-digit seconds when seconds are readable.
5,31
